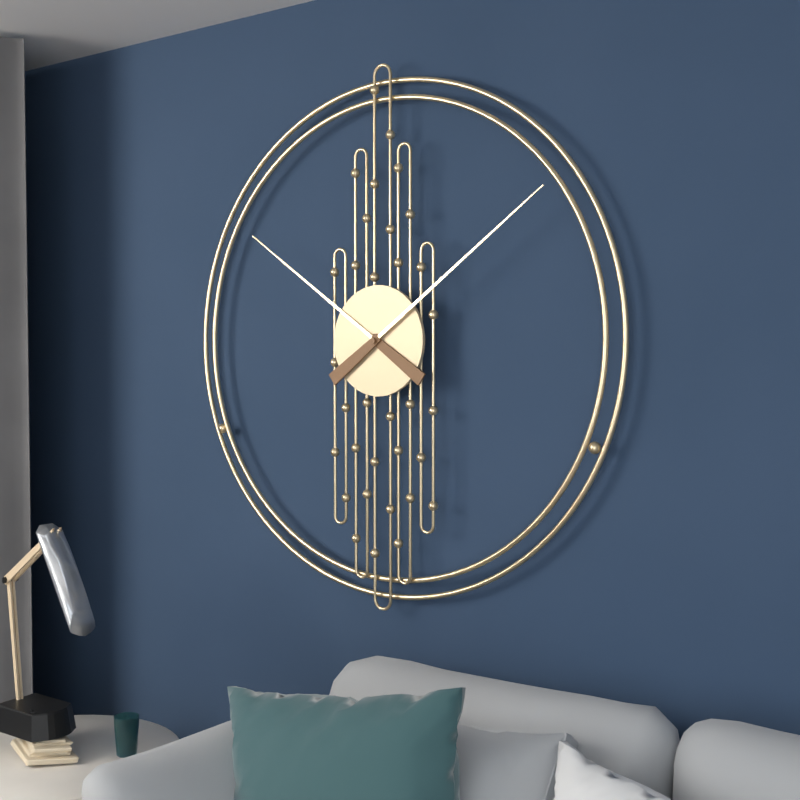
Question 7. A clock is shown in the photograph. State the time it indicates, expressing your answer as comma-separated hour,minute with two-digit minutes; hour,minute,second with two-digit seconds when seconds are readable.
10,09
